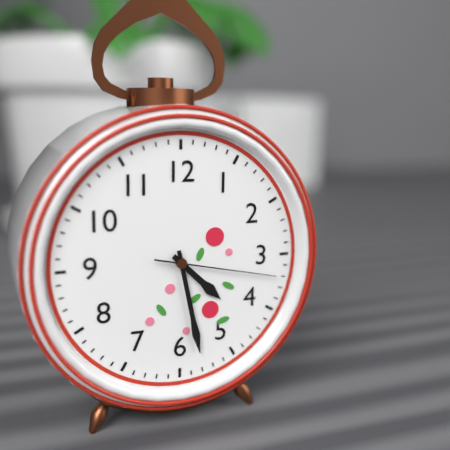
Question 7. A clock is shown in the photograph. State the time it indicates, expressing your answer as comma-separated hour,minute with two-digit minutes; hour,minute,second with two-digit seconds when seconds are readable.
4,28,17
